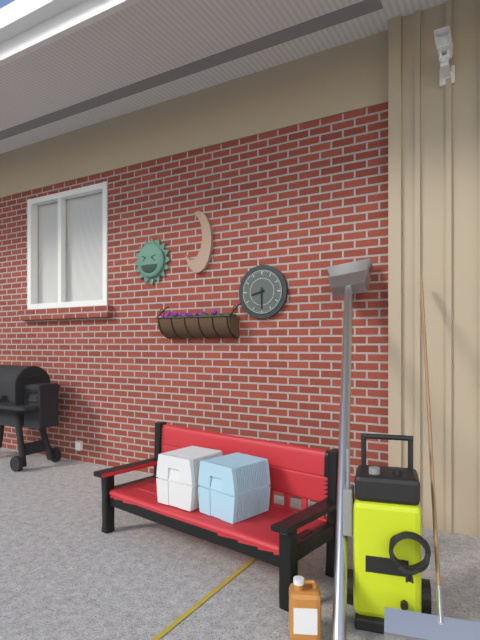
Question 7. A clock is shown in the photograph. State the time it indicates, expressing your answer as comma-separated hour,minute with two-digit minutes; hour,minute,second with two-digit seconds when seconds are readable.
8,30
